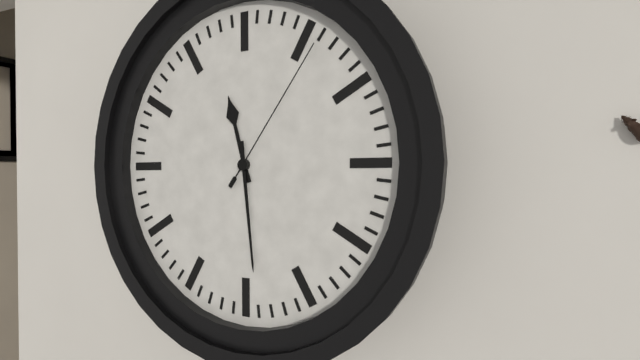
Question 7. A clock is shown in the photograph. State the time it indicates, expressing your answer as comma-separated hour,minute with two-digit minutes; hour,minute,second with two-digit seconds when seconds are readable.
11,29,06
